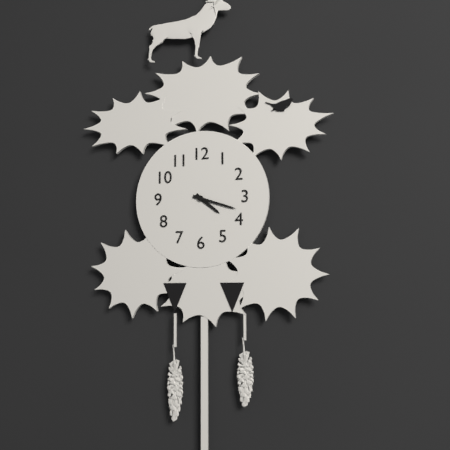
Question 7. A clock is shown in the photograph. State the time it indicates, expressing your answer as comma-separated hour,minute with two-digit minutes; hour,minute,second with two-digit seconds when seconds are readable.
4,18
